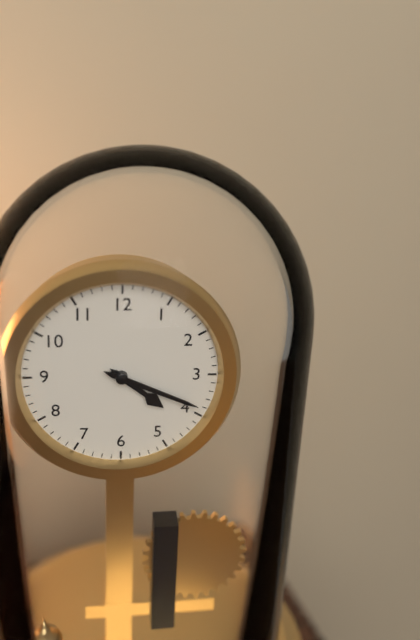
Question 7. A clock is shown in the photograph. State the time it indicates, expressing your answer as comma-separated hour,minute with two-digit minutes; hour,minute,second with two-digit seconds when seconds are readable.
4,19
